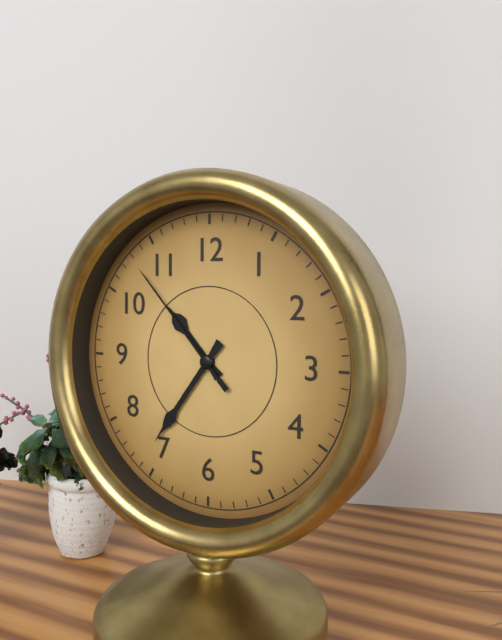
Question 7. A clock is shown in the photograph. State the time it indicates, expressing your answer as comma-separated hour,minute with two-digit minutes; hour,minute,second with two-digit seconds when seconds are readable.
10,36,53
